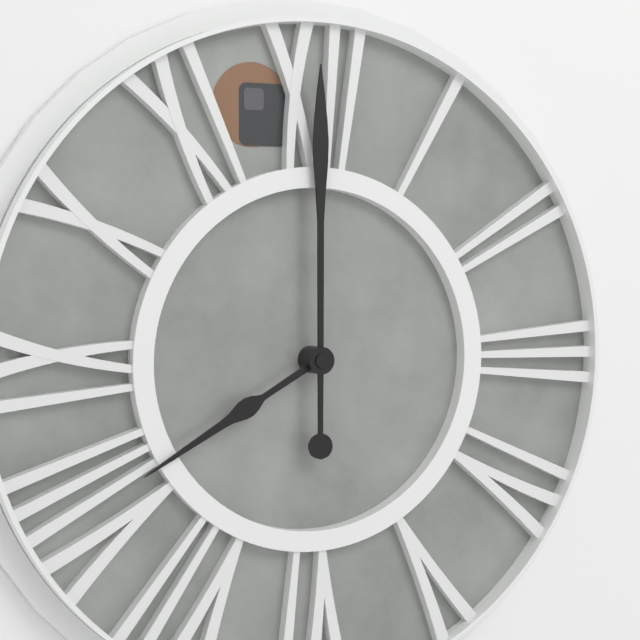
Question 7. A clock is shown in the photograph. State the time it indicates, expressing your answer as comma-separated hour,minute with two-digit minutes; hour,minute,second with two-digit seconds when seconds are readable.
8,00
